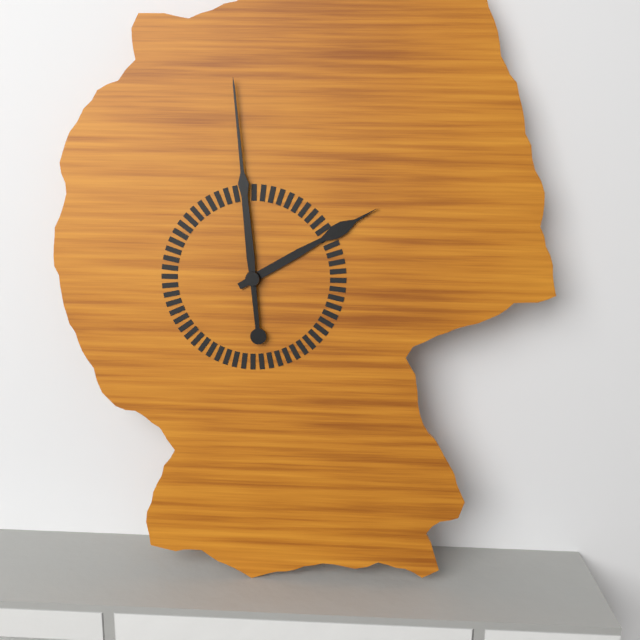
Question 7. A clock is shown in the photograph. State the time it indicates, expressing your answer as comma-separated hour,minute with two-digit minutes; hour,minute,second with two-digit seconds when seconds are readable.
1,59
